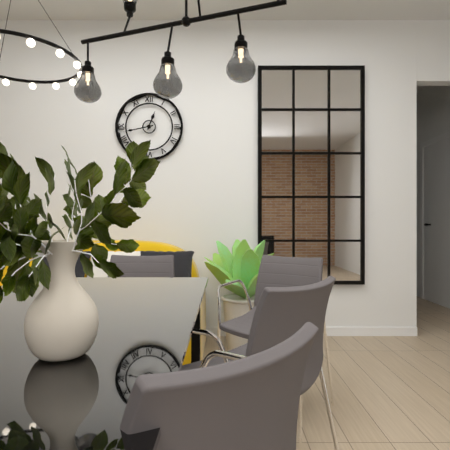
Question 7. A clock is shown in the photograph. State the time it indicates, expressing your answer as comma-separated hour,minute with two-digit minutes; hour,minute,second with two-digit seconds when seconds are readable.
12,43
